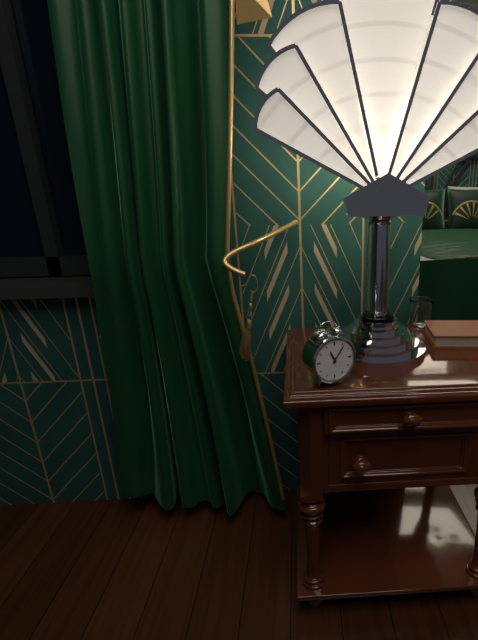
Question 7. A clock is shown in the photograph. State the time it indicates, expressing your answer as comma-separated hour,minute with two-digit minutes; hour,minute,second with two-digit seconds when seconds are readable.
11,06
